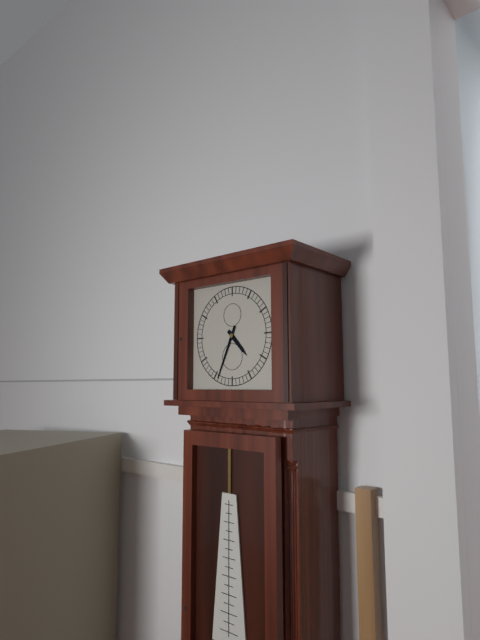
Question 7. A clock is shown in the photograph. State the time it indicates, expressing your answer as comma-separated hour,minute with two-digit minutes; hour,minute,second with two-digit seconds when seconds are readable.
4,34
